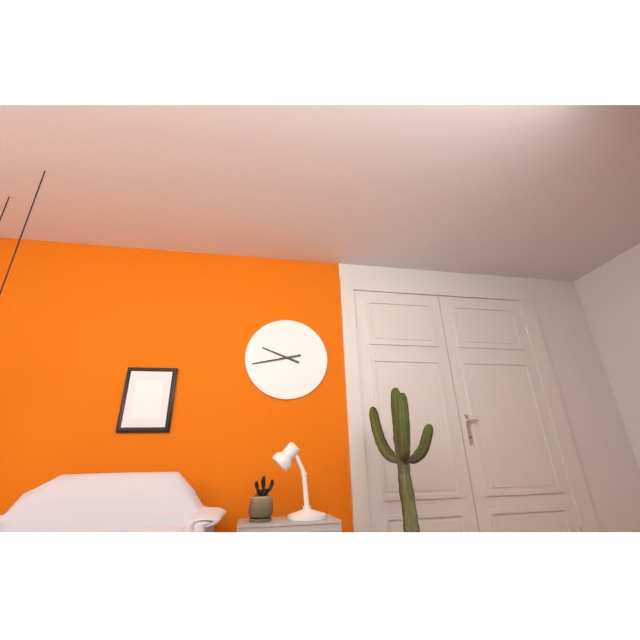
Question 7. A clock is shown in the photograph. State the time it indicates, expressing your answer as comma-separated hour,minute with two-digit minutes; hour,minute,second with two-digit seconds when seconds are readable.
9,43
